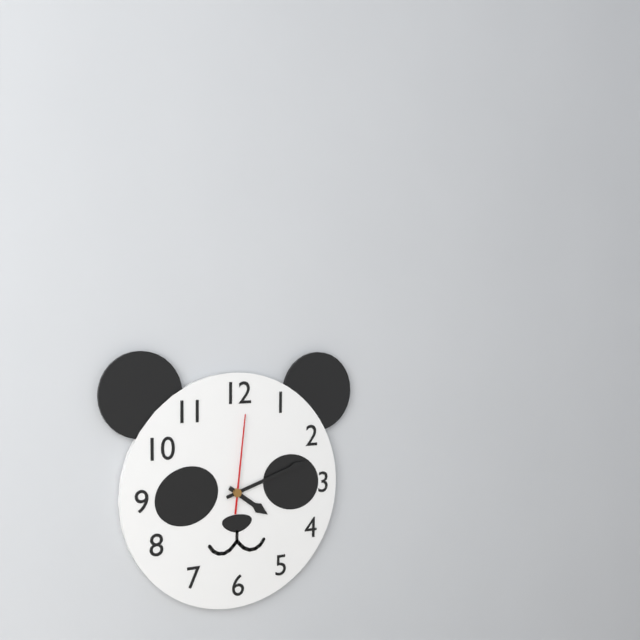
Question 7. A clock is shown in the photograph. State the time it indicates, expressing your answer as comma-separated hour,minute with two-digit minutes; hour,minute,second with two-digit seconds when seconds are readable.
4,12,01
